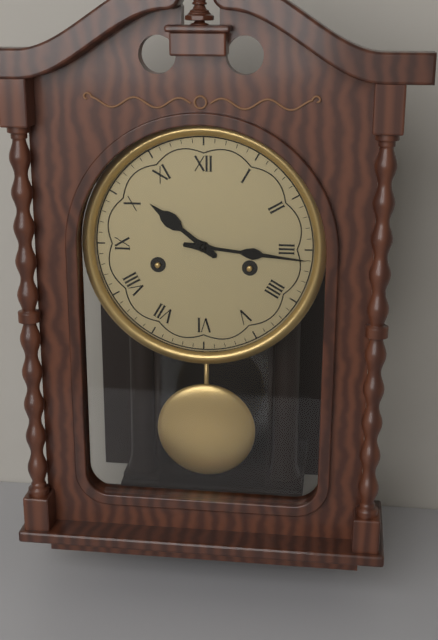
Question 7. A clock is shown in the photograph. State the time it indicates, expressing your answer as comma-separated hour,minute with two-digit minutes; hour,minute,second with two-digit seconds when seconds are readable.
10,16
